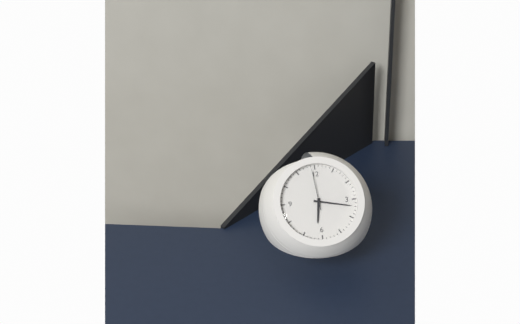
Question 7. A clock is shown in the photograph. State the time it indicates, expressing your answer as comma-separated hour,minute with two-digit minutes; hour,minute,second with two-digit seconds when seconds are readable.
6,17
